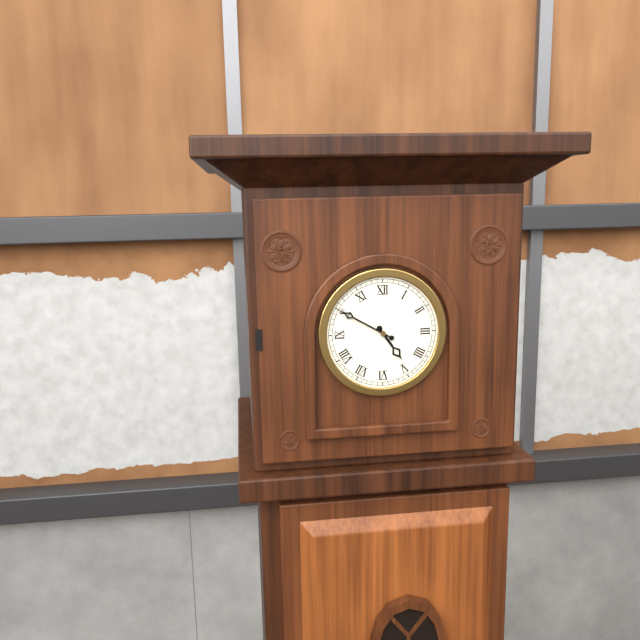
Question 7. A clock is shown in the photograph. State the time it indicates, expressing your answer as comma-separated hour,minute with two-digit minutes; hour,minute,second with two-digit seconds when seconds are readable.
4,50
